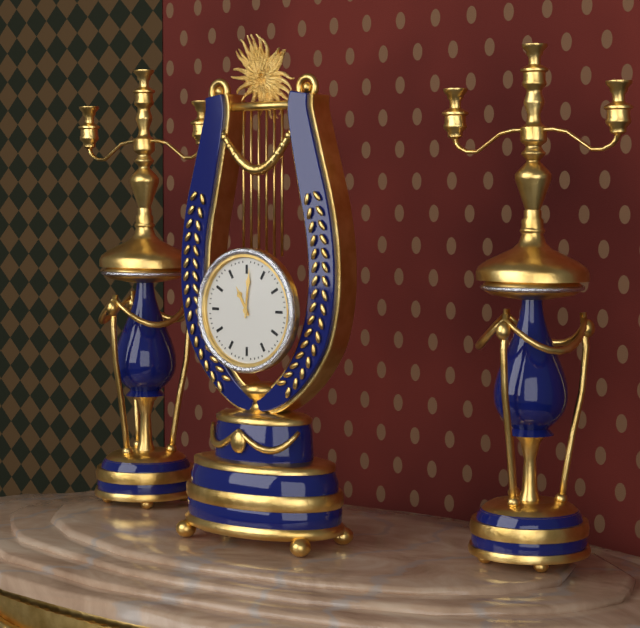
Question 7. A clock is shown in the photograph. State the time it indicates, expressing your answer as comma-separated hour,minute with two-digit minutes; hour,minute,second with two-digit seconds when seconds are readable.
11,01
